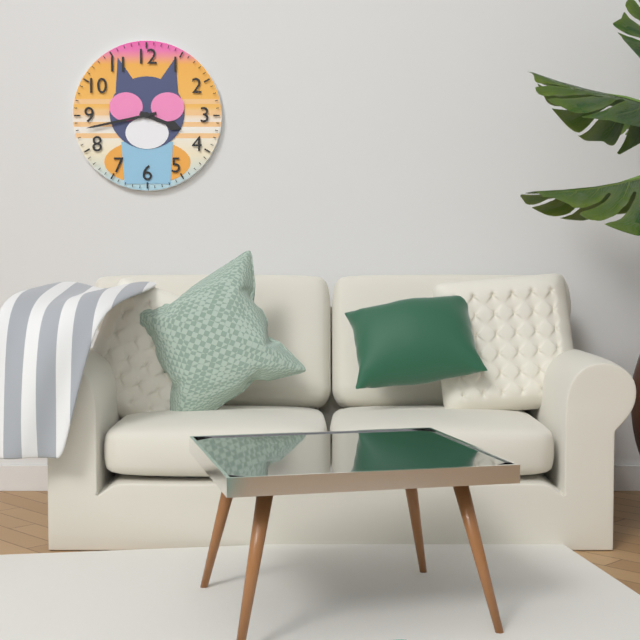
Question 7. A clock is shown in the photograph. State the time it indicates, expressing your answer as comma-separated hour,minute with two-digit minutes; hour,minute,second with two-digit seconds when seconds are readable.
3,43
